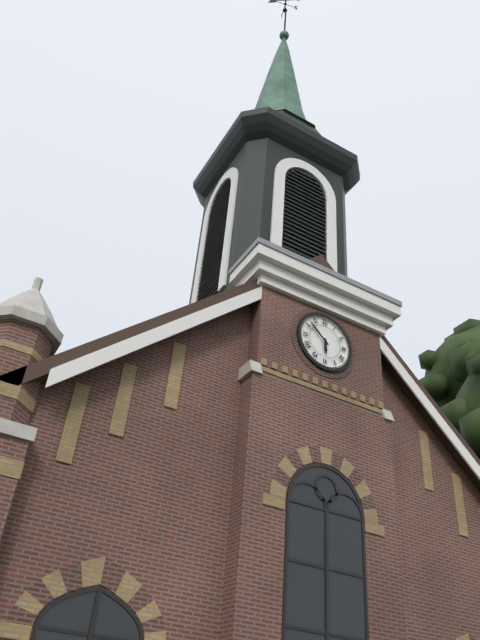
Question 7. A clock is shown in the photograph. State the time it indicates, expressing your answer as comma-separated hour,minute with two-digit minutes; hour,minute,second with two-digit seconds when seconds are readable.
5,52
